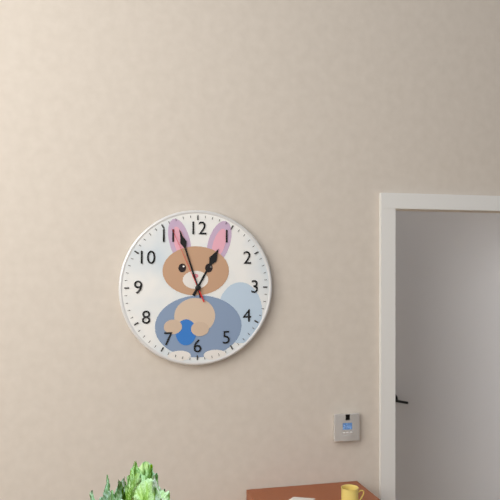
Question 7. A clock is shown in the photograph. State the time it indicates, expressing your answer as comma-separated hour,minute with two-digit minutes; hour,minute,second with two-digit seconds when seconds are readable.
12,57,56
